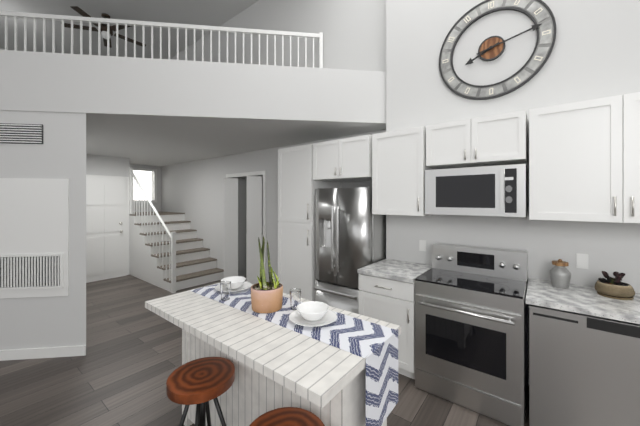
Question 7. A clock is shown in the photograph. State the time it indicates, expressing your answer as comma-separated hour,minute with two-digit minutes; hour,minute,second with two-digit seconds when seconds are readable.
8,13
